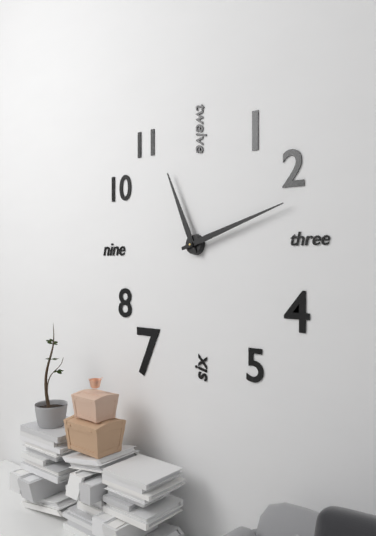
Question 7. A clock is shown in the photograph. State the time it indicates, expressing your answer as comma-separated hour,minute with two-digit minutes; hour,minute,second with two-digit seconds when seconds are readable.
11,12
